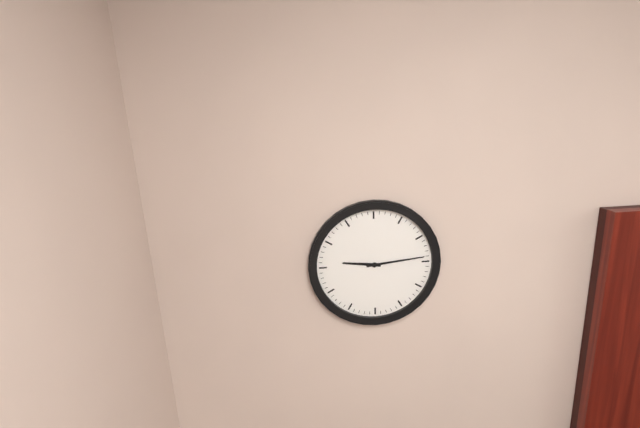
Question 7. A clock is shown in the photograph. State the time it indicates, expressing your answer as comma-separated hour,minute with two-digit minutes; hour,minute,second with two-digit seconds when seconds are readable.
9,14
